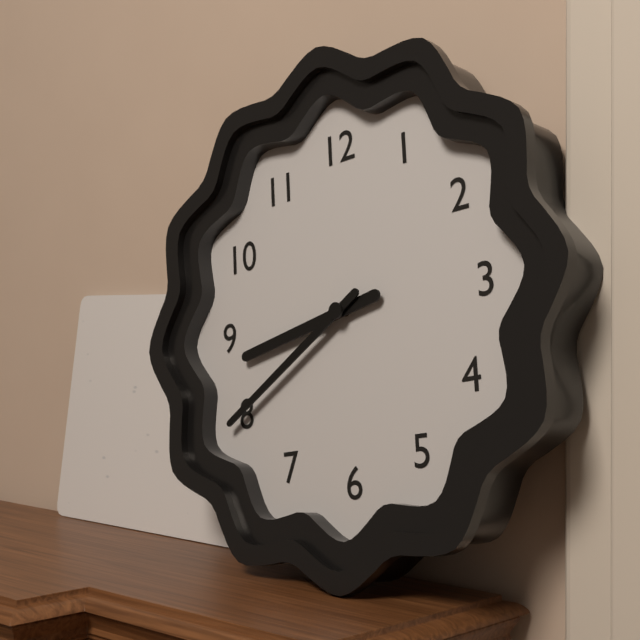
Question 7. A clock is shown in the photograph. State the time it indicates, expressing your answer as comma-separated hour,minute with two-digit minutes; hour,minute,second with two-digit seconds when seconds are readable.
8,40
